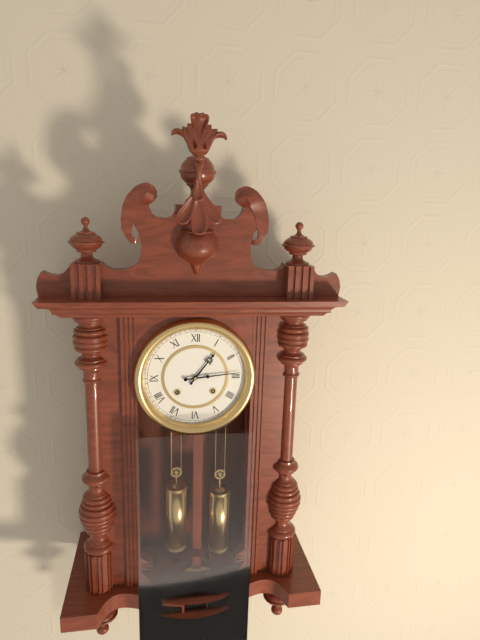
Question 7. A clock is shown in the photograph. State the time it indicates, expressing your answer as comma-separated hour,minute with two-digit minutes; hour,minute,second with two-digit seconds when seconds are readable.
1,14
